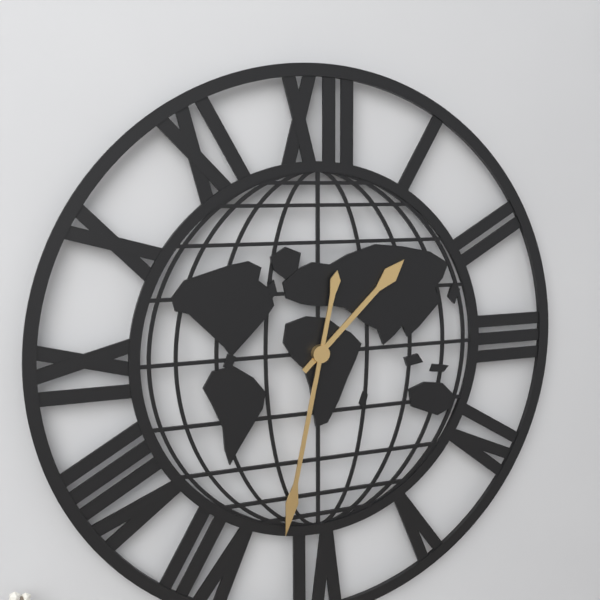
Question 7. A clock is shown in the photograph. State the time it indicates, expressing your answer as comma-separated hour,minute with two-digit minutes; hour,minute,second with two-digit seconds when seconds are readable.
1,32
